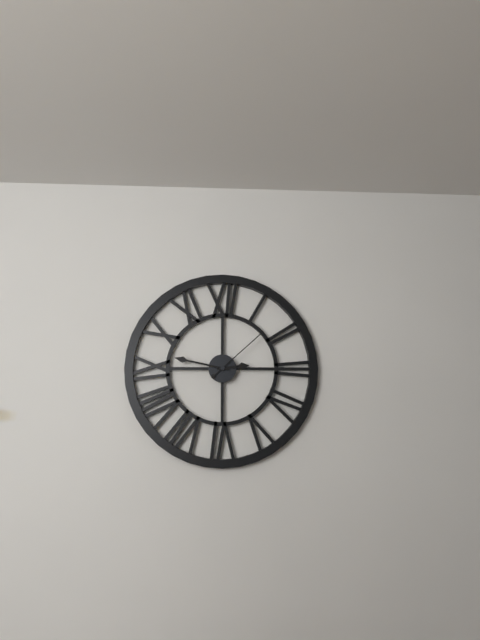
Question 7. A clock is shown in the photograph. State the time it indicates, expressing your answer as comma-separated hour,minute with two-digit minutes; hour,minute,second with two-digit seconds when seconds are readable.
2,47,08
